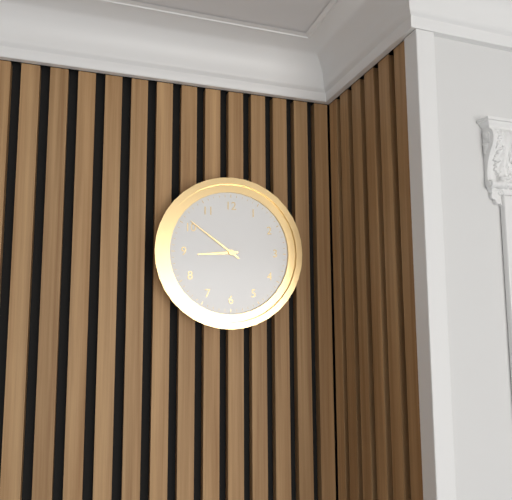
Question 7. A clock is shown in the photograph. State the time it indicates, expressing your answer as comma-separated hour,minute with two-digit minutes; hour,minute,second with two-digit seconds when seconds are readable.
8,51
